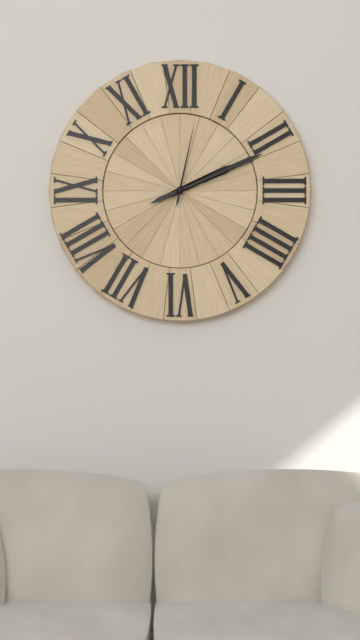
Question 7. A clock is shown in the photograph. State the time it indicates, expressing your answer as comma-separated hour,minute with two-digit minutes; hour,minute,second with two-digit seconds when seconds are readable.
2,11,02
